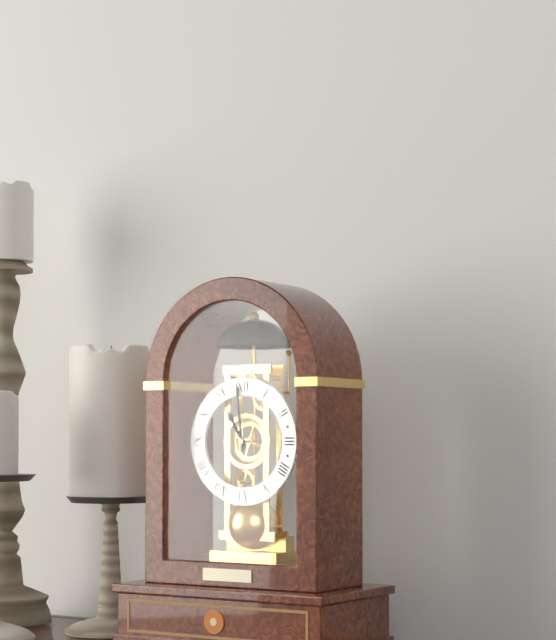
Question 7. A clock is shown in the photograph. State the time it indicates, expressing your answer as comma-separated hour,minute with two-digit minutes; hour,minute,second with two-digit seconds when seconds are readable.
10,59
